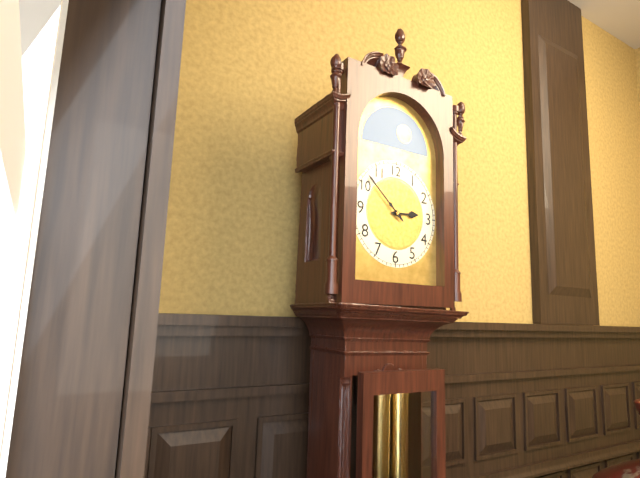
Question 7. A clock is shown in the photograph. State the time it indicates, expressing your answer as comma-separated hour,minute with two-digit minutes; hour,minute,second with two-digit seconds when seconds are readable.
2,52
